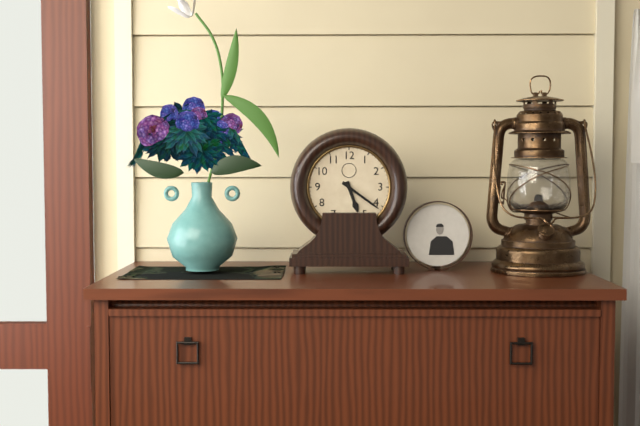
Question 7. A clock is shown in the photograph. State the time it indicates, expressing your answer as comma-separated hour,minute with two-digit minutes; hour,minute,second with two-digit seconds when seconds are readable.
5,21
